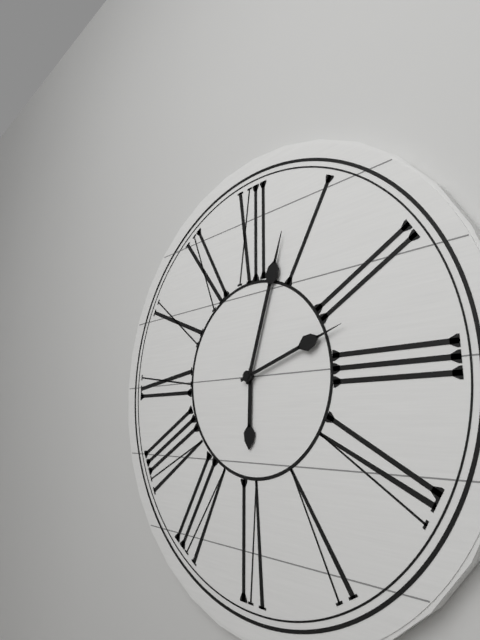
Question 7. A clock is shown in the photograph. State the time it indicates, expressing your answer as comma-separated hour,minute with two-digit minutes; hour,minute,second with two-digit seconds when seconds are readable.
6,03,12
